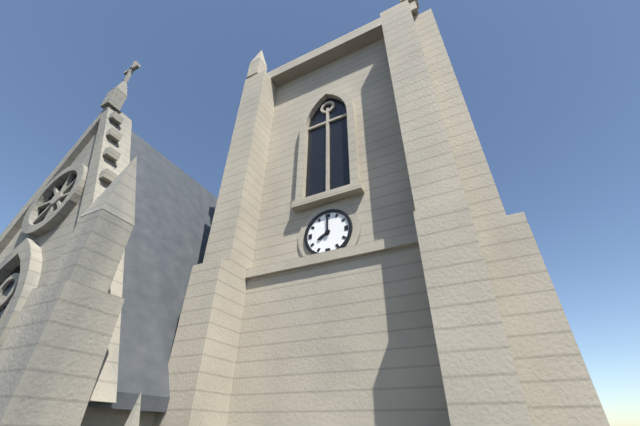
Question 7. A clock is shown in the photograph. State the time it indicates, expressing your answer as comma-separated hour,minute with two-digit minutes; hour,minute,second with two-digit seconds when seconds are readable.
8,00
